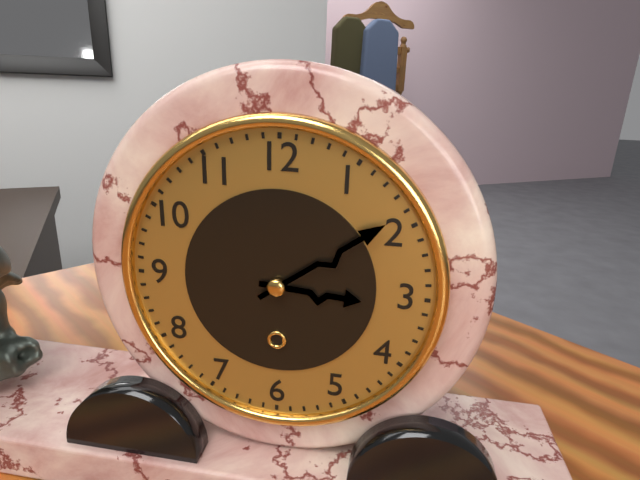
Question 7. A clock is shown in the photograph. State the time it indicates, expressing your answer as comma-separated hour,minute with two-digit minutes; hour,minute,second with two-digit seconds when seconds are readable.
3,09
